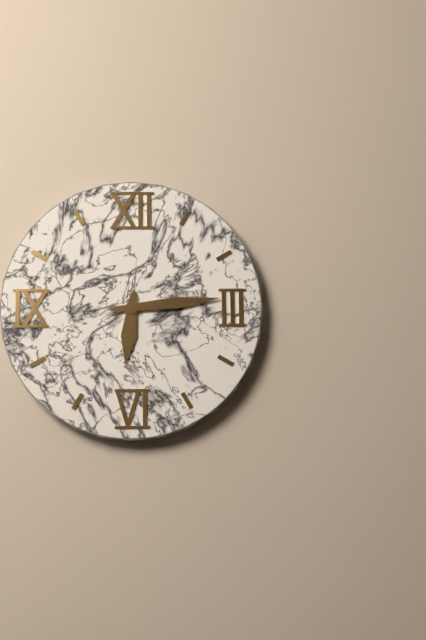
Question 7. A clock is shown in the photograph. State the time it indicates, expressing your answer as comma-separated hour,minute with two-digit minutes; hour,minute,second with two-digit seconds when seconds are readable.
6,14
